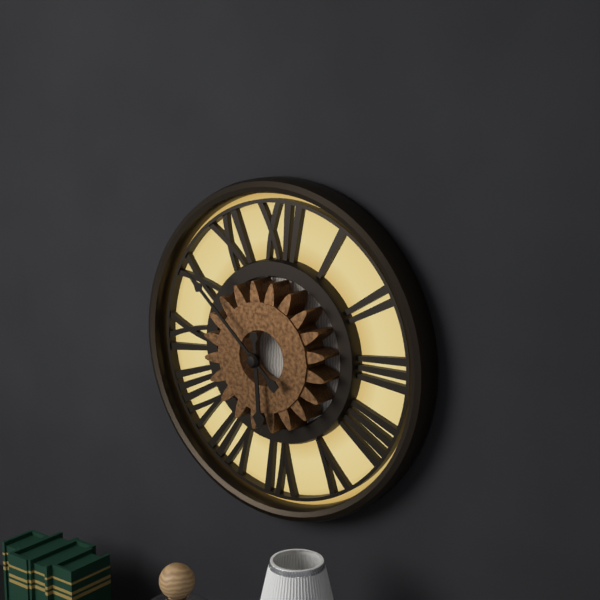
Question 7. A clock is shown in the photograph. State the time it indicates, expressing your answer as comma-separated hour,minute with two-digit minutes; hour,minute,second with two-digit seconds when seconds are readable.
5,52
